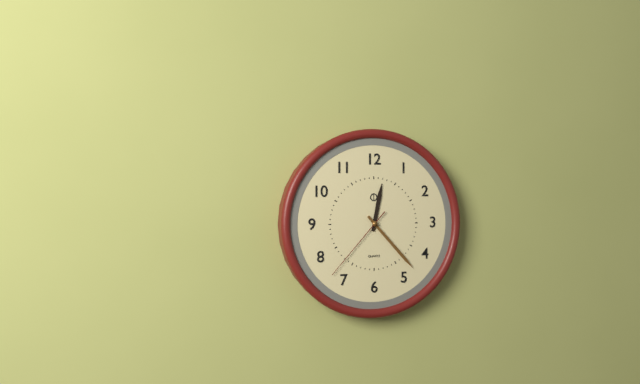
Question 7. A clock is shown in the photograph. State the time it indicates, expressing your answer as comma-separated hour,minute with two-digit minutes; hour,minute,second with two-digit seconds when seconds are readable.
12,23,37
